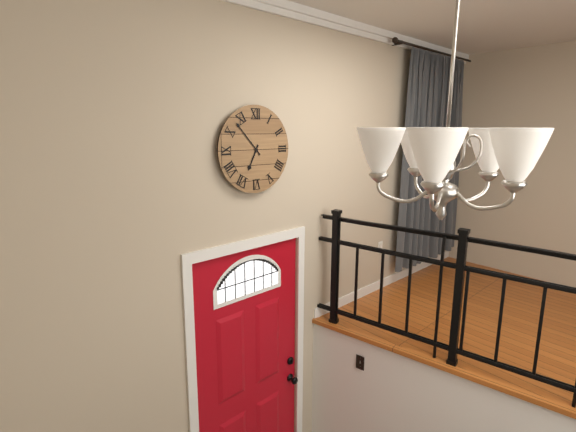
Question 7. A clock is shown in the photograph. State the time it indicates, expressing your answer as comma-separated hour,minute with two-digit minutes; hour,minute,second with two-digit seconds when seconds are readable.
6,53
